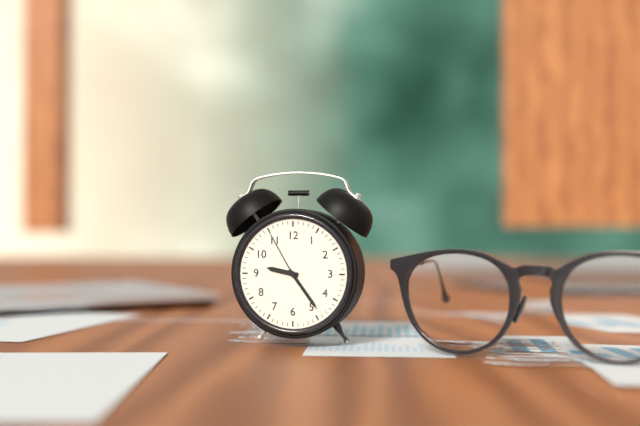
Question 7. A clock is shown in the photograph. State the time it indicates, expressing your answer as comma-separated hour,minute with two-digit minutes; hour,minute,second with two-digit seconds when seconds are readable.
9,24,55
